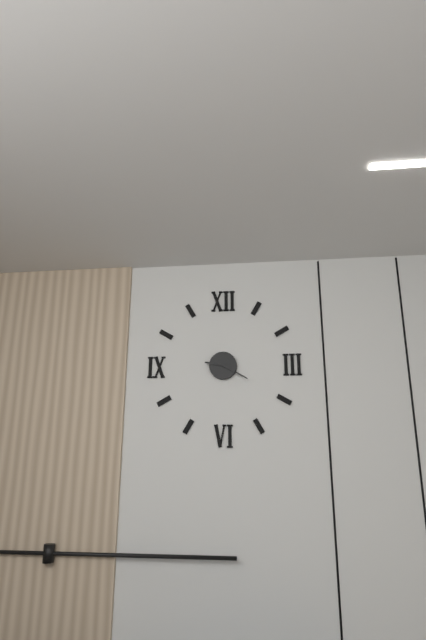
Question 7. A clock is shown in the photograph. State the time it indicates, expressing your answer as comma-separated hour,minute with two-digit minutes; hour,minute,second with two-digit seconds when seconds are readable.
9,20
